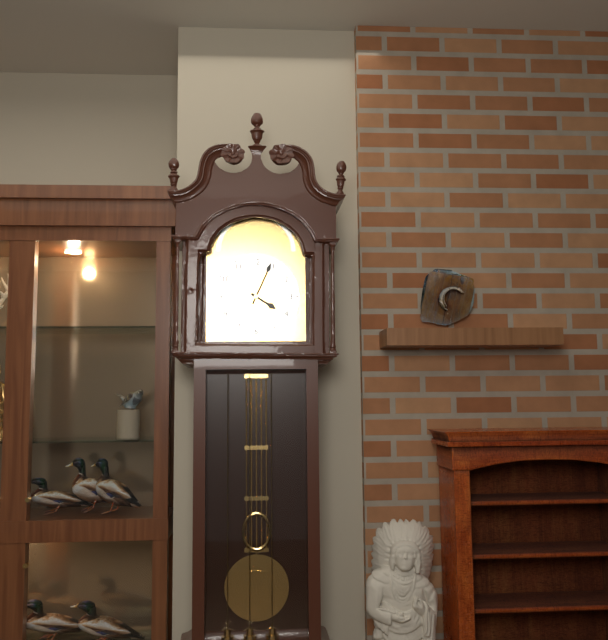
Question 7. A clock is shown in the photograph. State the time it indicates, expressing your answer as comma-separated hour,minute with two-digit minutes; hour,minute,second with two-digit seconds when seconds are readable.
4,04
